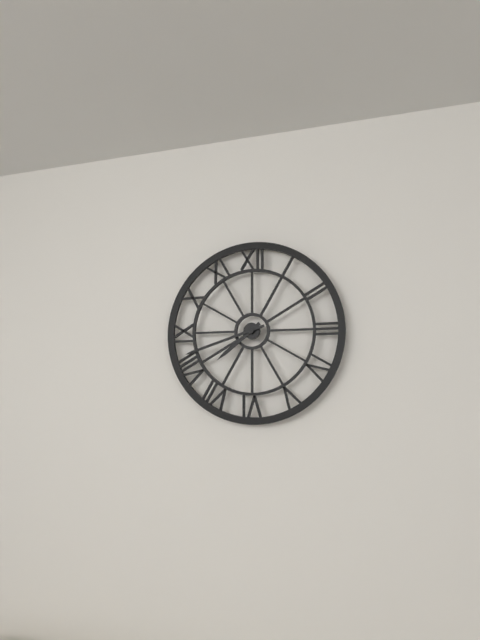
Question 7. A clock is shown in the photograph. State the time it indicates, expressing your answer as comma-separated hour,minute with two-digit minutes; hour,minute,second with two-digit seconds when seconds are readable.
7,42
